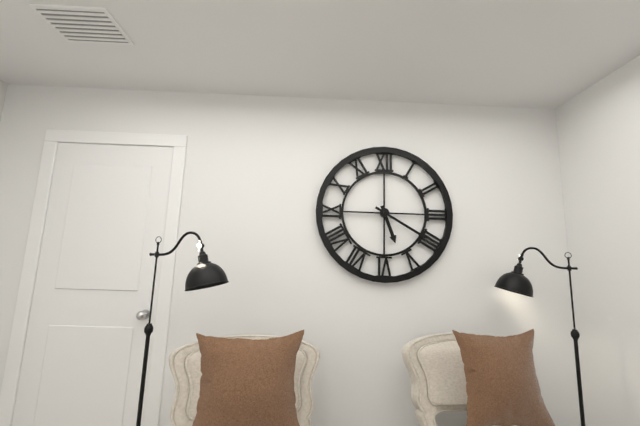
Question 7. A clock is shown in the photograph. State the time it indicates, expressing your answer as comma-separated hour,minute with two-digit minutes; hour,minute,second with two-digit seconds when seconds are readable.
5,20
